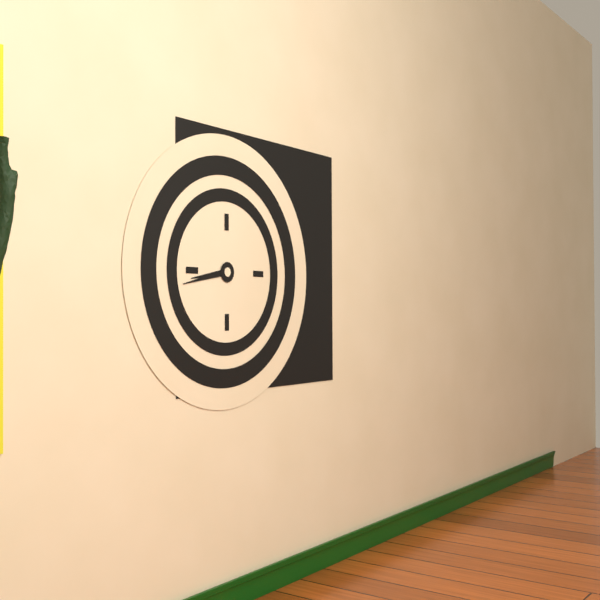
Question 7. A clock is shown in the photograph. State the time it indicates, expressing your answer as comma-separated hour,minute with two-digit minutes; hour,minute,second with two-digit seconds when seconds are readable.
8,43
